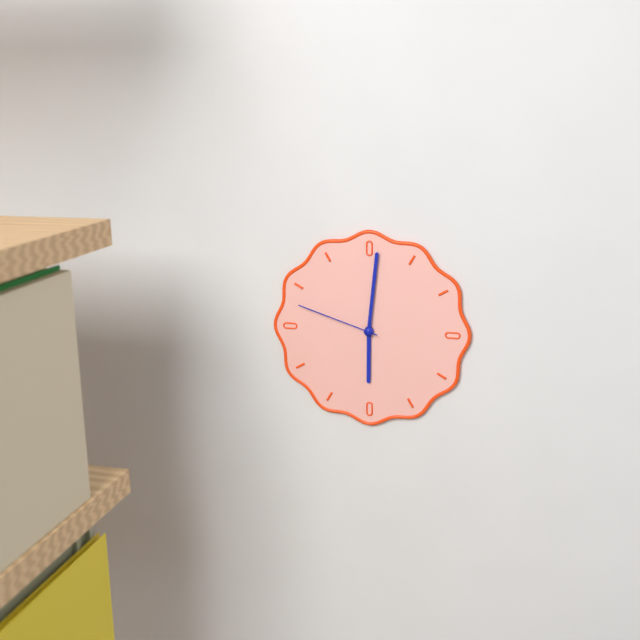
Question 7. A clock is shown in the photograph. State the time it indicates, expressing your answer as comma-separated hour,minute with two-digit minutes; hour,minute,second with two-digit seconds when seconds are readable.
6,01,48
